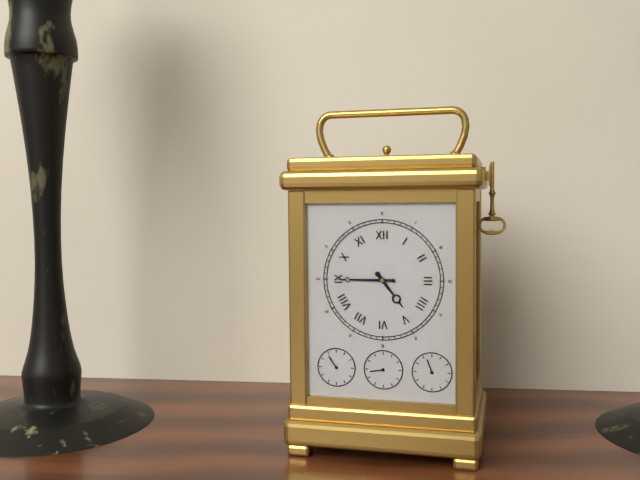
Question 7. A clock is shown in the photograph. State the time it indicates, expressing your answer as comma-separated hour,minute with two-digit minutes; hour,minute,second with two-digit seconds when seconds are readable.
4,45
